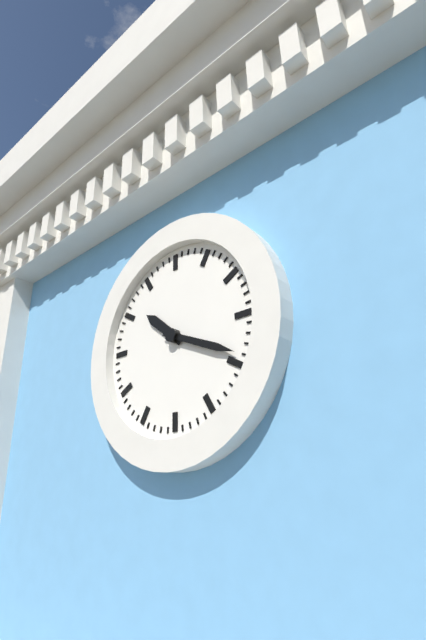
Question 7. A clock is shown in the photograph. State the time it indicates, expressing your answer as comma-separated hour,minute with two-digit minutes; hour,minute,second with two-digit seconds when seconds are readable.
10,19
